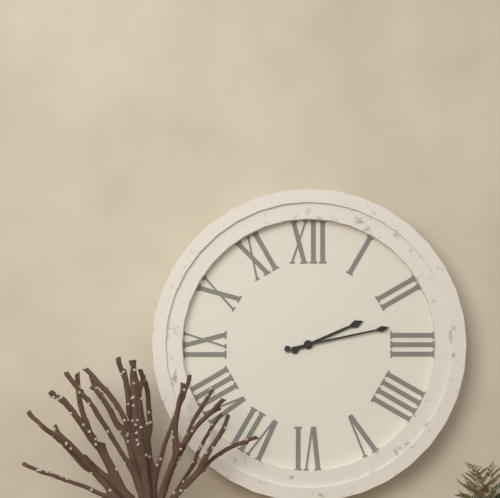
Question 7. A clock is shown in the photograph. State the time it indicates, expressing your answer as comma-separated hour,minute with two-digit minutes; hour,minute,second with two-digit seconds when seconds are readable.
2,13
